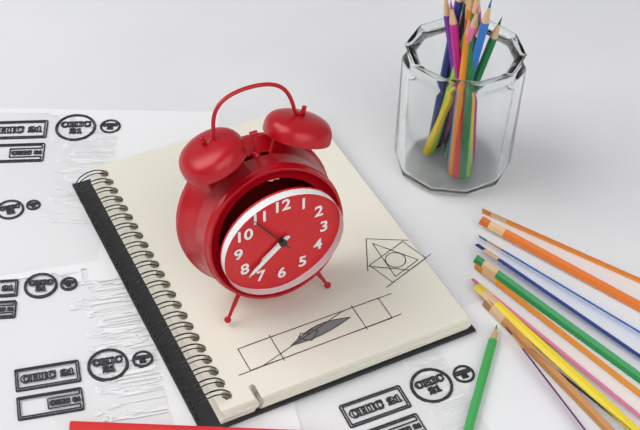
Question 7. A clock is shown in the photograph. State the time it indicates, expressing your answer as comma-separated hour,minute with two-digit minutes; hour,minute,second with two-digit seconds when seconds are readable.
7,38
